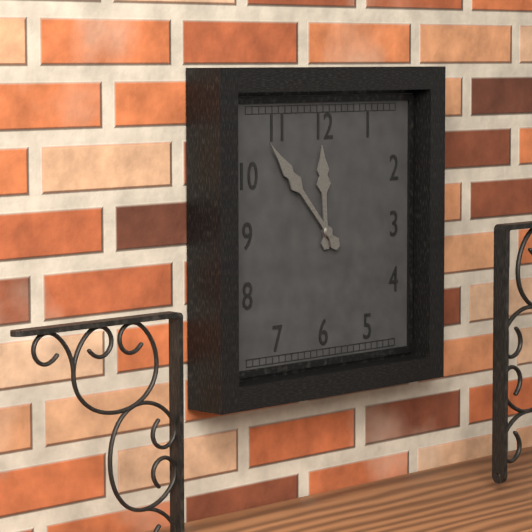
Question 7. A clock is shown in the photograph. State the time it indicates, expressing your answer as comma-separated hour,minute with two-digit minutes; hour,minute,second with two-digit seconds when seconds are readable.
11,53
